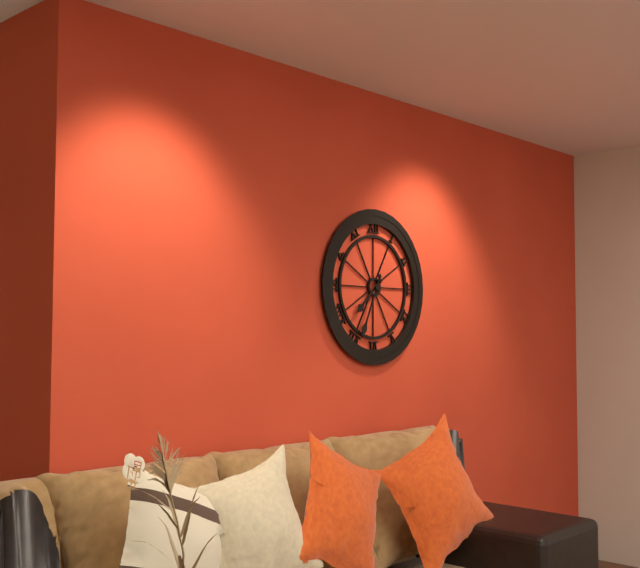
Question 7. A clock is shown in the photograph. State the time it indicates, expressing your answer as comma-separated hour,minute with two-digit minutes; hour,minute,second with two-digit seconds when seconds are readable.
7,34
